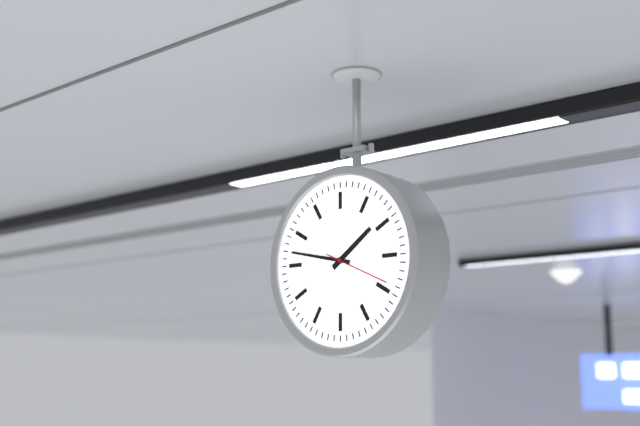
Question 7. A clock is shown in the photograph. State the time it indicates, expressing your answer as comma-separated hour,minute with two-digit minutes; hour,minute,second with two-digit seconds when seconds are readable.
1,47,19
